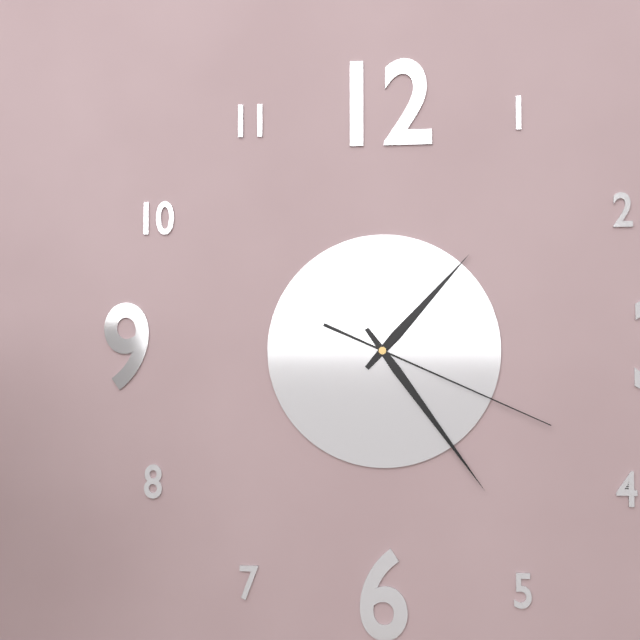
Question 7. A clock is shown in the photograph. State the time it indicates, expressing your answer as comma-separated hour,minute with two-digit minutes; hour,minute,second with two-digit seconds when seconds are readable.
1,24,19
